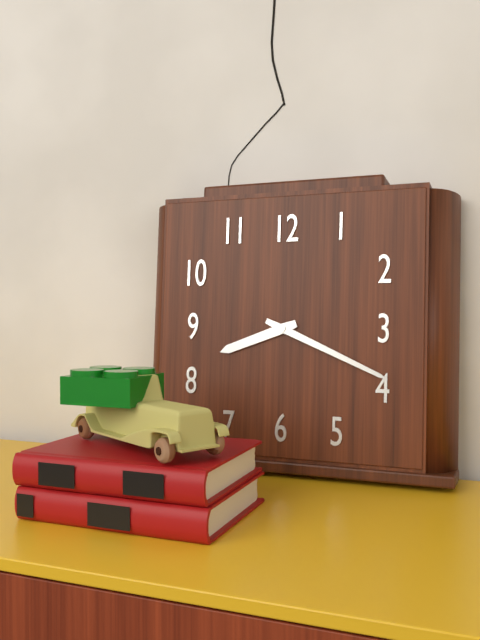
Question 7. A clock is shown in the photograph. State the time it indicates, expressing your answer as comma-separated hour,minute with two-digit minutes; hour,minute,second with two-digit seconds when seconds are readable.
8,19
